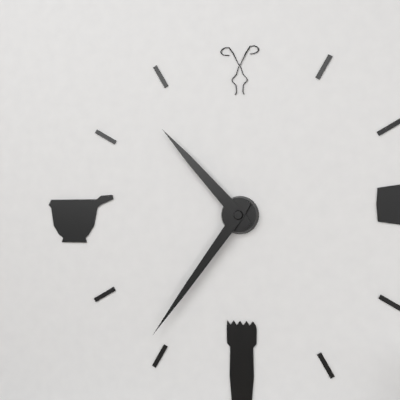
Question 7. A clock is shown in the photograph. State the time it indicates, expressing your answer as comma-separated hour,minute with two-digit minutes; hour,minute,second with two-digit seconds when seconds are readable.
10,36
